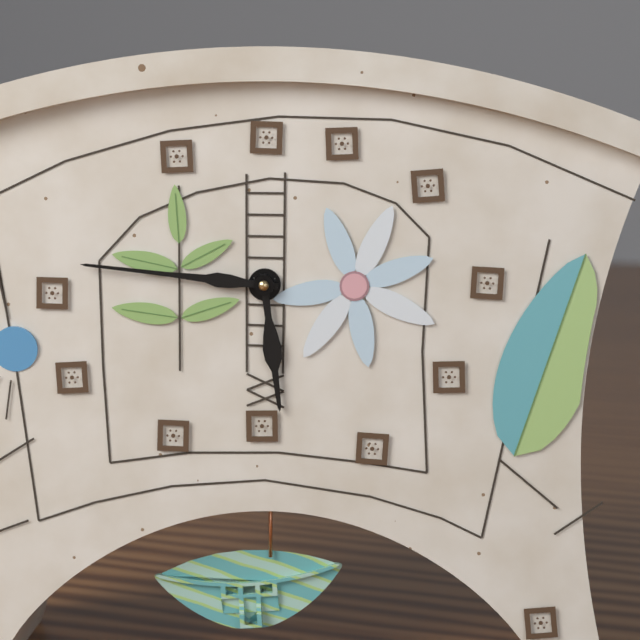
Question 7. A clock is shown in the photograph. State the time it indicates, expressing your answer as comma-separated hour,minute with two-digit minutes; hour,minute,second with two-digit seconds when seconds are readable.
5,46
